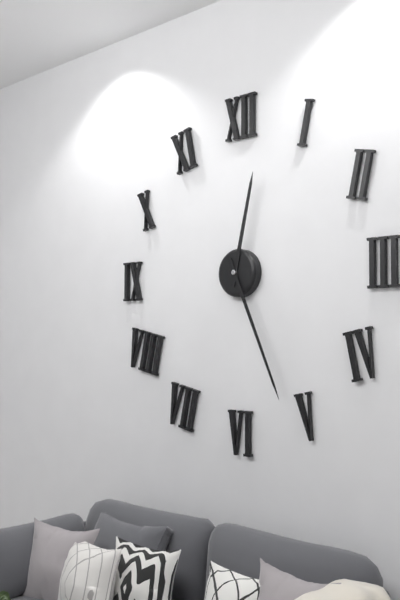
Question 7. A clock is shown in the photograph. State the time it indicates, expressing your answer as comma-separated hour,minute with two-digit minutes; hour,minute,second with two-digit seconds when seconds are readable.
12,26
